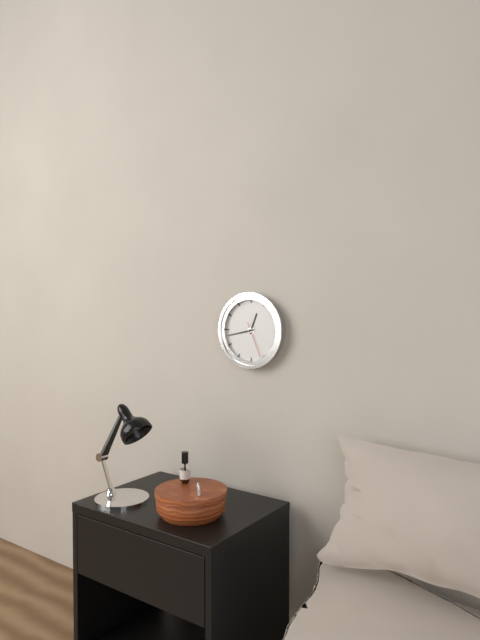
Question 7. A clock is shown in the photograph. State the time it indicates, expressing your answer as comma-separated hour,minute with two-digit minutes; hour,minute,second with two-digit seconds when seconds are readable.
12,43
